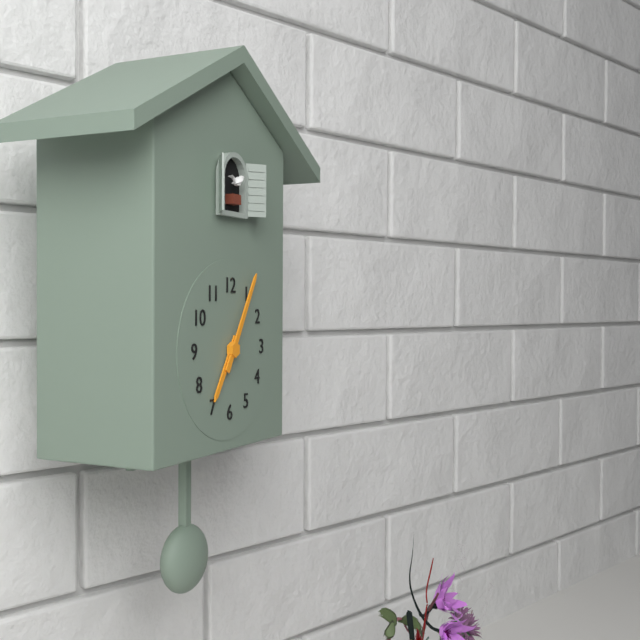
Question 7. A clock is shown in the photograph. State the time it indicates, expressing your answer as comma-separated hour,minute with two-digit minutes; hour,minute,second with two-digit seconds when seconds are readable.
7,05
